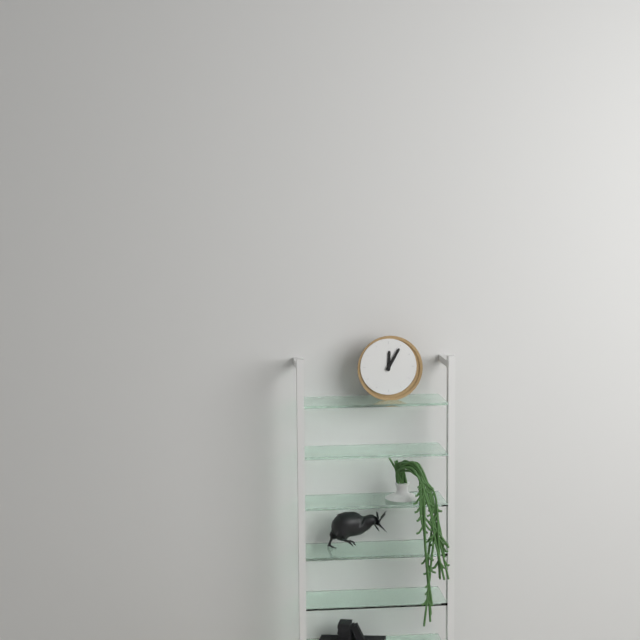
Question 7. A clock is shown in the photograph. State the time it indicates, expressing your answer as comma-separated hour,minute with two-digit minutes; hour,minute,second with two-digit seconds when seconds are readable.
12,05
